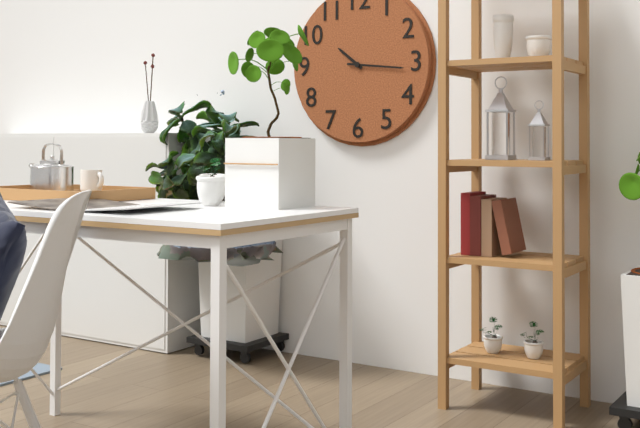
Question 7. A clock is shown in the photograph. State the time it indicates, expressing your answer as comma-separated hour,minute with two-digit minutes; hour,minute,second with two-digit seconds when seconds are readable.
10,16
